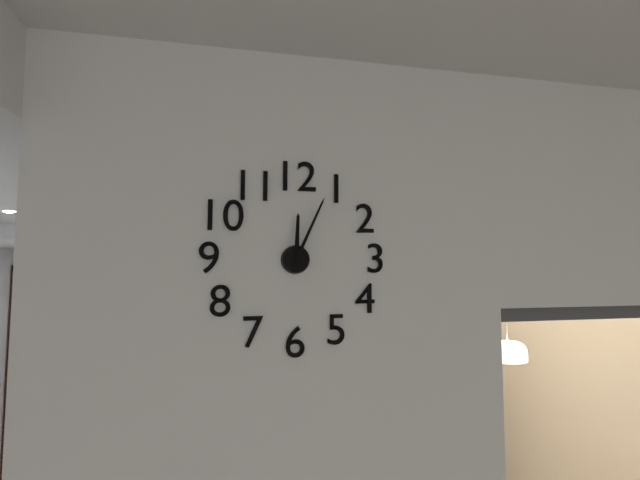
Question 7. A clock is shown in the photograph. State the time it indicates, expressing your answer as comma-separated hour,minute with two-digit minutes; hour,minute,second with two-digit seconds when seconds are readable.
12,04
